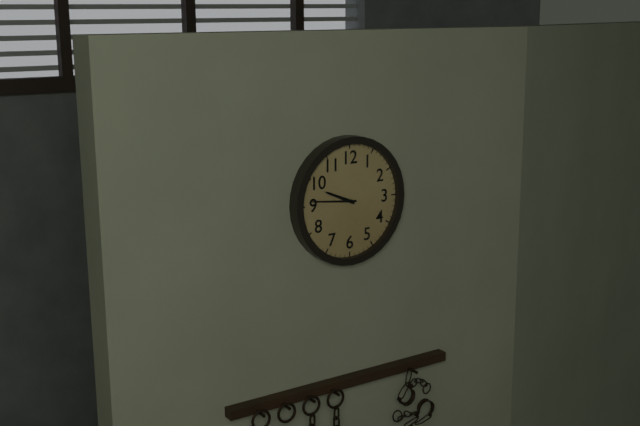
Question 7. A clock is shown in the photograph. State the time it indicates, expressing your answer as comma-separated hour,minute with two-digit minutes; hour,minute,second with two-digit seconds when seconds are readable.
9,46
